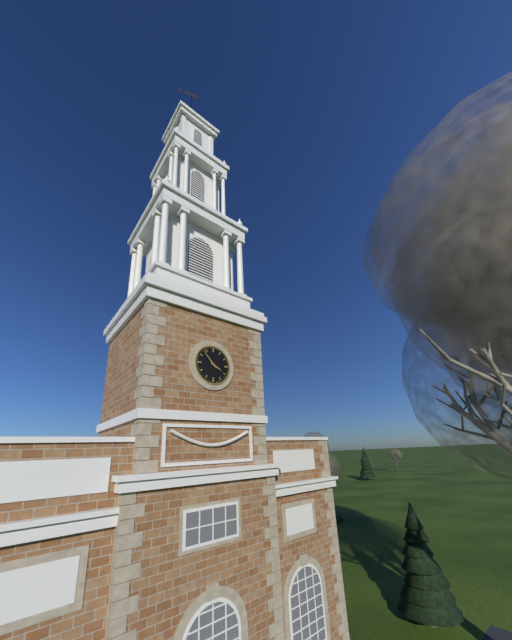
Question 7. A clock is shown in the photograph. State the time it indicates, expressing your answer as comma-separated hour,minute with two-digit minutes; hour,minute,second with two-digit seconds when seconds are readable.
3,53
